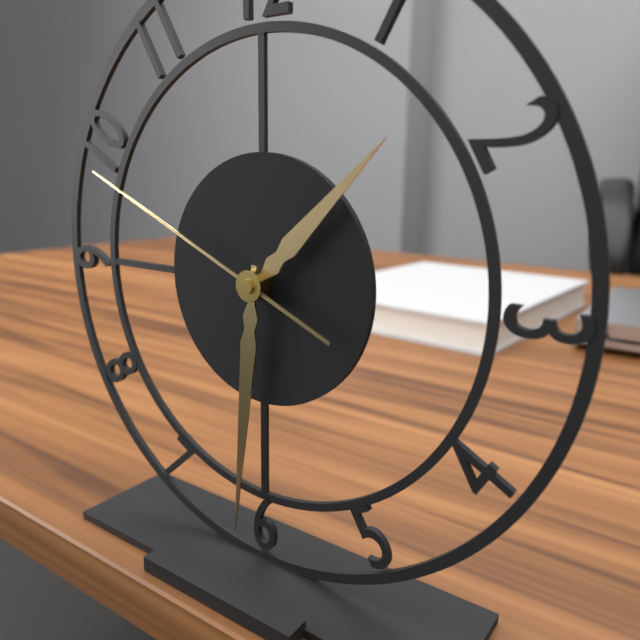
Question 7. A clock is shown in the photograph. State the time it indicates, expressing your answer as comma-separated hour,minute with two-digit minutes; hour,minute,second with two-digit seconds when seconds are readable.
1,31,49
